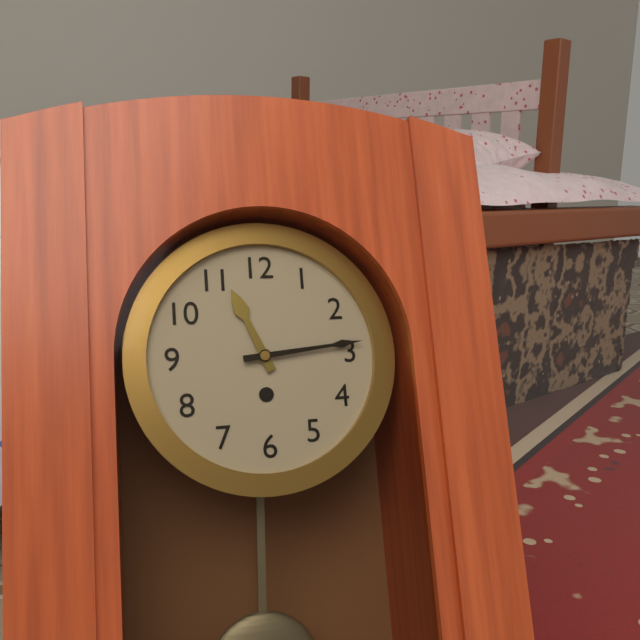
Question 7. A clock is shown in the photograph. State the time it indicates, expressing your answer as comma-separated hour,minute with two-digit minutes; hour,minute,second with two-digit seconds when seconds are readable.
11,14
